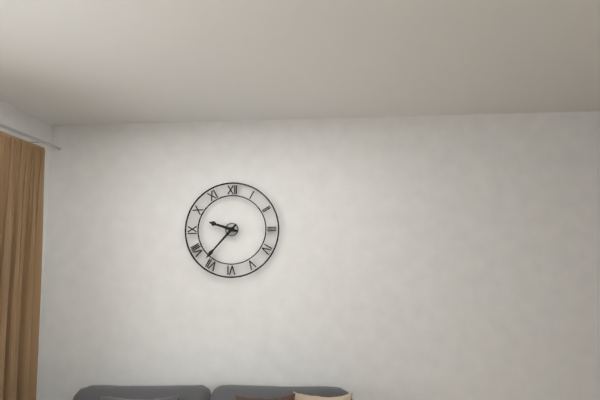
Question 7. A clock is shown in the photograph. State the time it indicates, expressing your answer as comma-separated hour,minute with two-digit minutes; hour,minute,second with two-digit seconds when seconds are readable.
9,37
